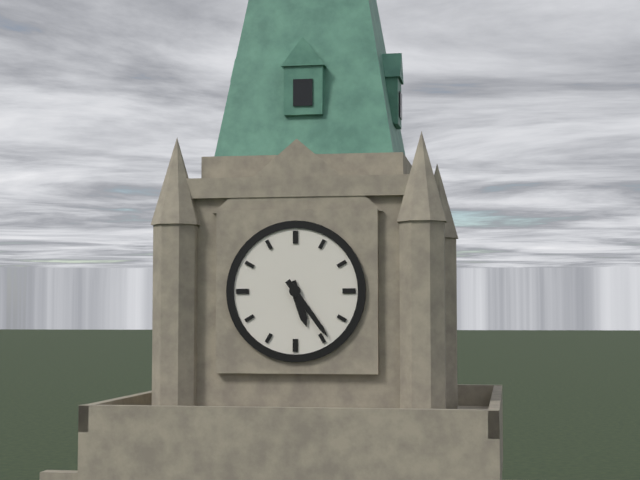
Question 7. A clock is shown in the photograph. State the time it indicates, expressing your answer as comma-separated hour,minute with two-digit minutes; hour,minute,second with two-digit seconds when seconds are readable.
5,24
